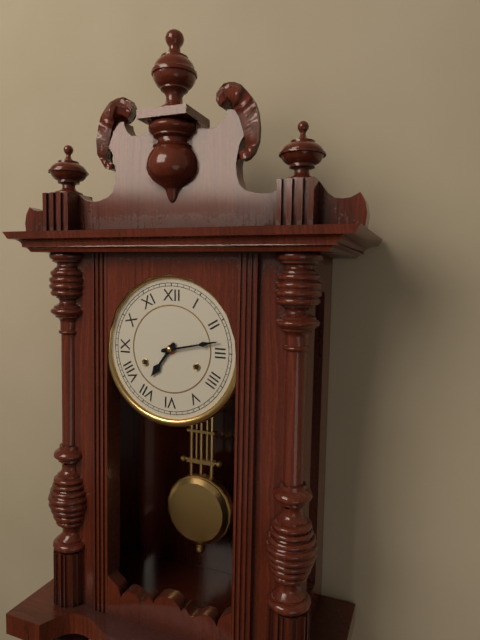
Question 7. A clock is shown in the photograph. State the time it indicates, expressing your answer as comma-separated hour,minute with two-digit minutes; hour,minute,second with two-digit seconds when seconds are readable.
7,13
